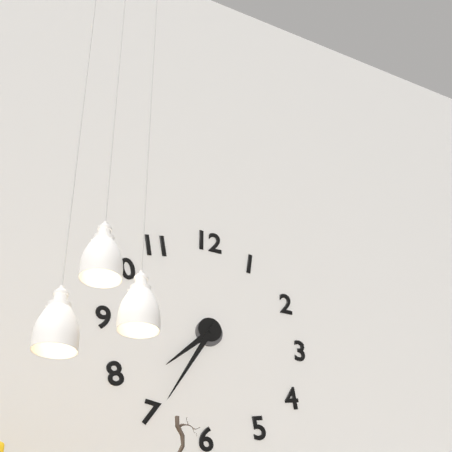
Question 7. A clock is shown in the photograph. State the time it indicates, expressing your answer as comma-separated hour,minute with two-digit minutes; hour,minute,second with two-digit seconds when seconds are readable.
7,35
